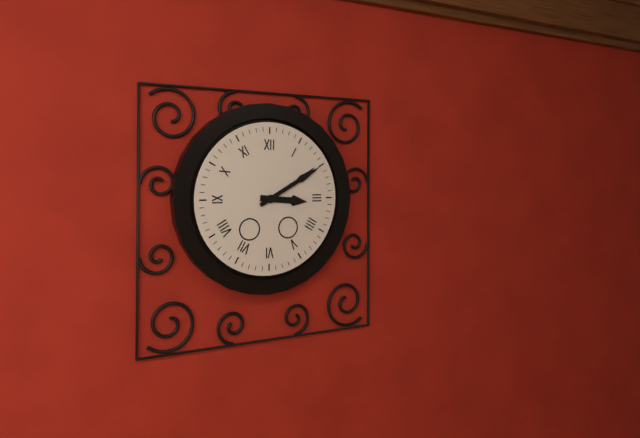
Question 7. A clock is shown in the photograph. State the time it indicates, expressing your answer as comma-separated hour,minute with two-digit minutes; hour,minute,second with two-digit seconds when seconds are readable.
3,10
